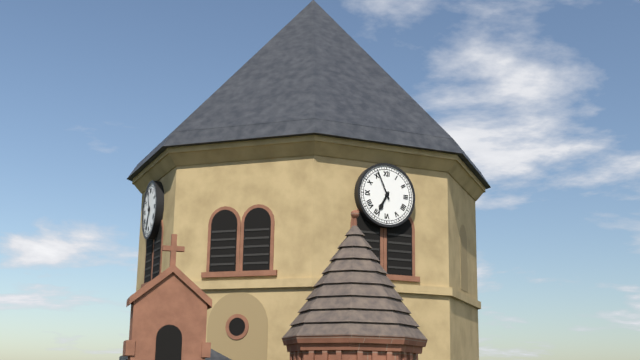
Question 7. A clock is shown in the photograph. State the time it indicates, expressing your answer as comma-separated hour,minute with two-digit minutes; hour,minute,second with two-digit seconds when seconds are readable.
6,56
